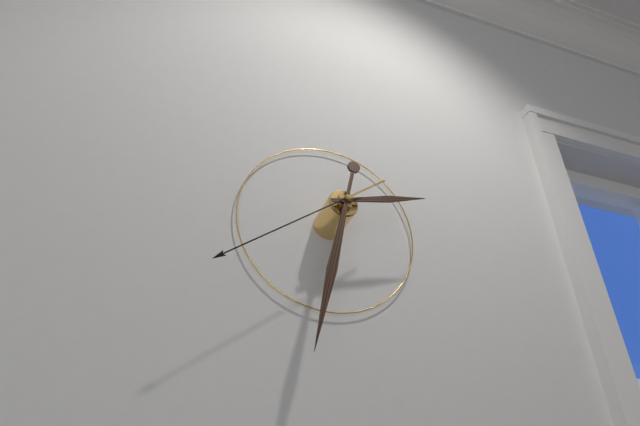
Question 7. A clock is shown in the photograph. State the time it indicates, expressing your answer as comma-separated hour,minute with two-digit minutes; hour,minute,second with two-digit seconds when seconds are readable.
2,32,39
